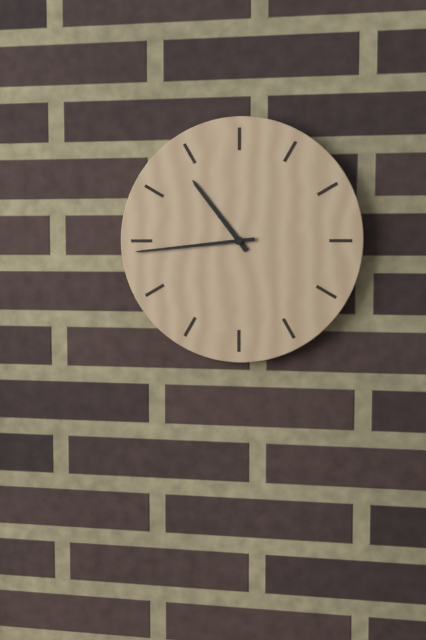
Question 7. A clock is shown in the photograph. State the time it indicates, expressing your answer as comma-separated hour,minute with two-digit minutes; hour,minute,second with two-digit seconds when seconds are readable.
10,44
